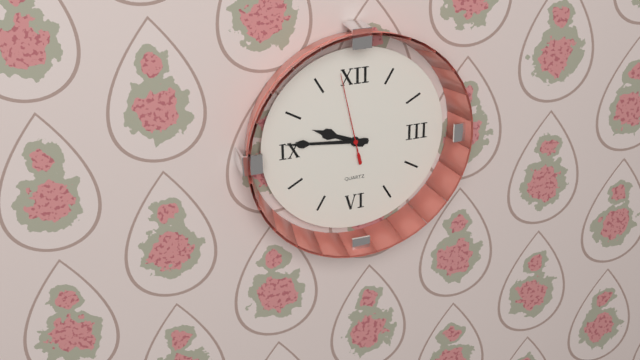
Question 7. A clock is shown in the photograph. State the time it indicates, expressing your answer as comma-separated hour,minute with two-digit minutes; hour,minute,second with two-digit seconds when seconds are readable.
9,46,58
